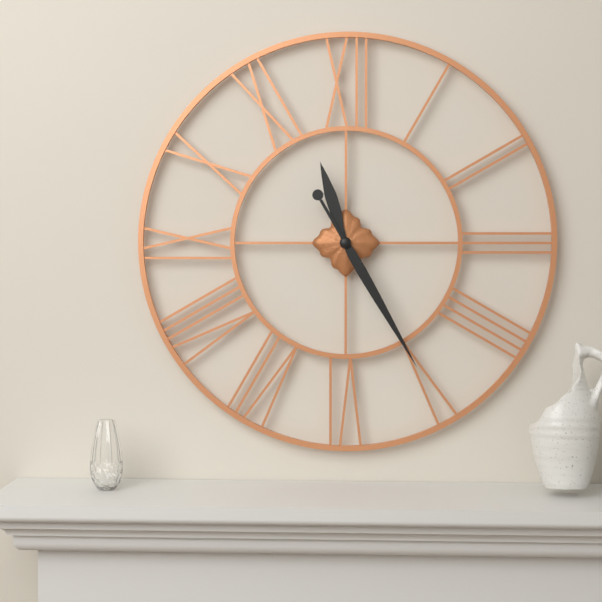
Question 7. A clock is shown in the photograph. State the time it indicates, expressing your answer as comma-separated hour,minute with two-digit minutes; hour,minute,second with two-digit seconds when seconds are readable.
11,25
